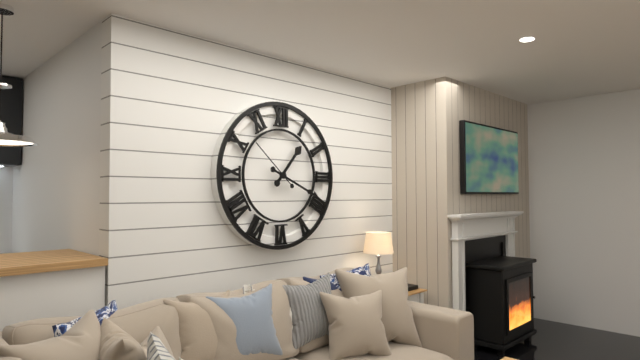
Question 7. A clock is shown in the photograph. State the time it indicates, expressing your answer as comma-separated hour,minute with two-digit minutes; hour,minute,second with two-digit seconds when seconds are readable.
1,19,52
